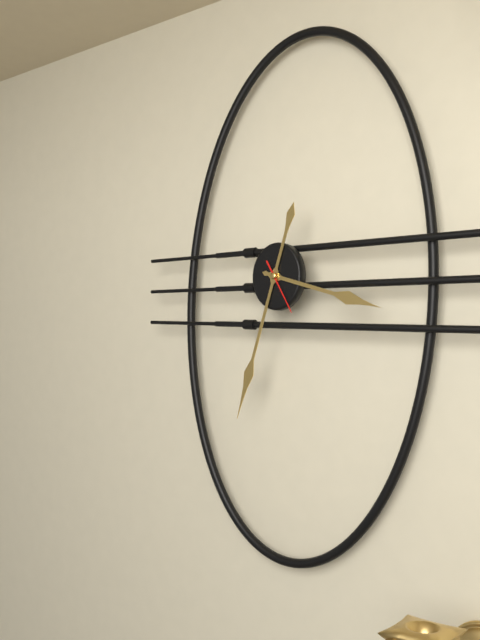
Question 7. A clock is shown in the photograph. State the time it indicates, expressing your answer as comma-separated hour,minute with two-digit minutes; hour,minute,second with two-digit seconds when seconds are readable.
3,33,25
